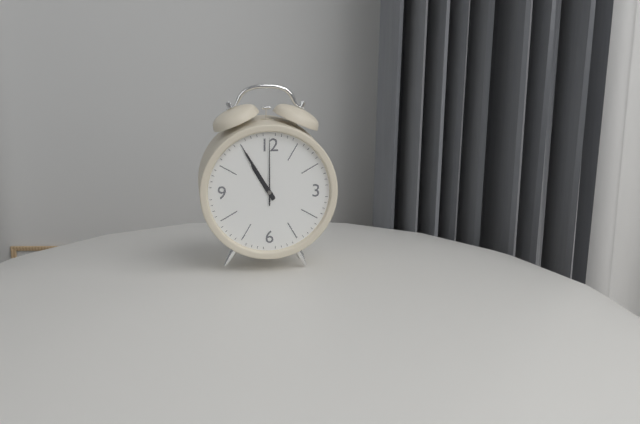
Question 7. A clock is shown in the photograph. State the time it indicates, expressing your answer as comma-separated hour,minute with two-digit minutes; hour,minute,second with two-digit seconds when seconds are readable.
10,55,00
